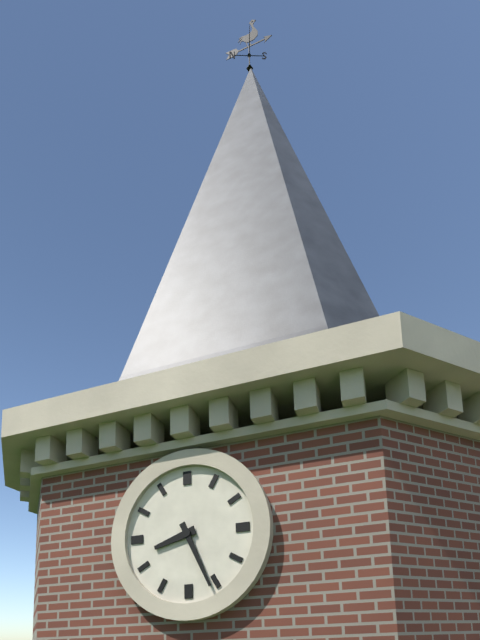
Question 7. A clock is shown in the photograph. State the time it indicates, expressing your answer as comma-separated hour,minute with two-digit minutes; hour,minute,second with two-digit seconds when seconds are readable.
8,26
